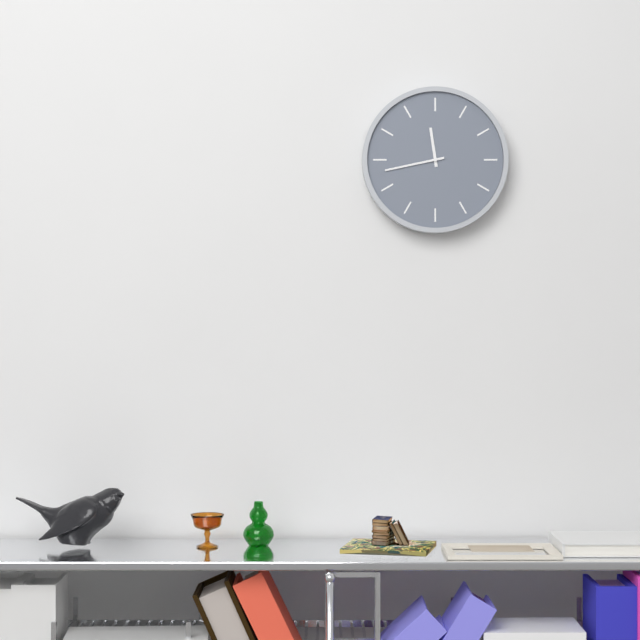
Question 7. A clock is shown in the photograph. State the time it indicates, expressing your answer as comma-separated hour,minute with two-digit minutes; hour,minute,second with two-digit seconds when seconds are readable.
11,43
